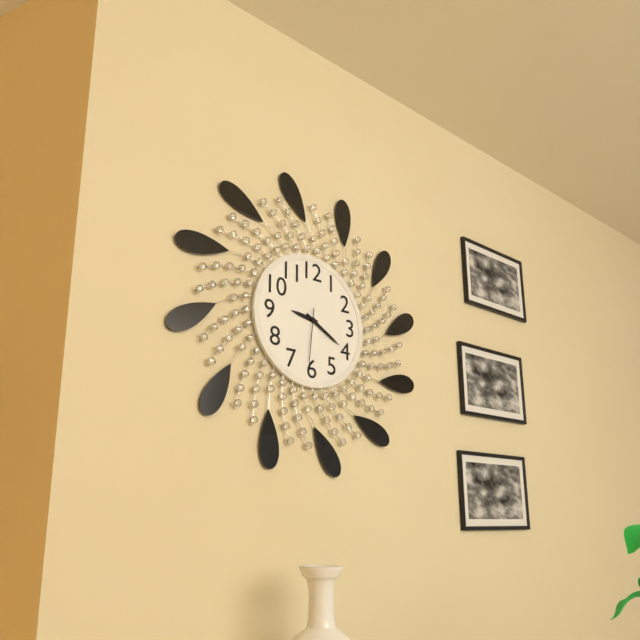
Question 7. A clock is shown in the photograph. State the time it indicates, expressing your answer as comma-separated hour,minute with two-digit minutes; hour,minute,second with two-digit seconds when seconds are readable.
9,20,31
